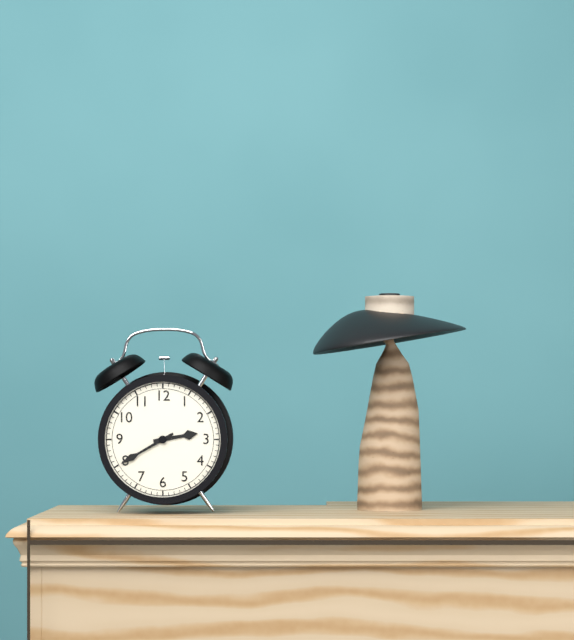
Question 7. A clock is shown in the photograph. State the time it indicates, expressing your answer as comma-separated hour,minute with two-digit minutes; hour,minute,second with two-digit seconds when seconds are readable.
2,40
